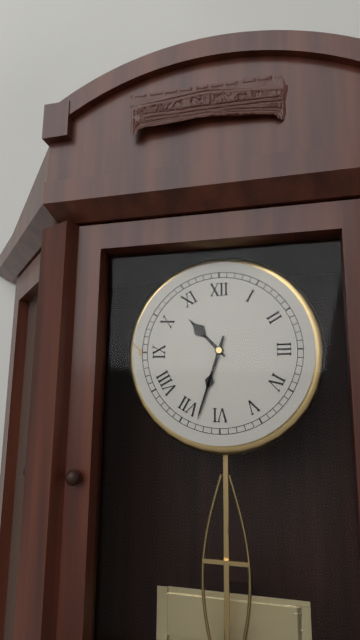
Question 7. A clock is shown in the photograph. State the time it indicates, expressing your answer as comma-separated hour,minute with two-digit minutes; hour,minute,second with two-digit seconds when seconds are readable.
10,33
